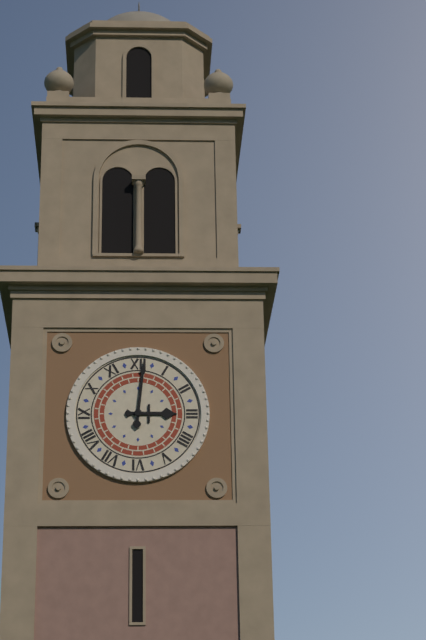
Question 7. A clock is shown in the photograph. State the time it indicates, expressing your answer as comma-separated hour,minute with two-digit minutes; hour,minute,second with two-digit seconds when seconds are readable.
3,01
